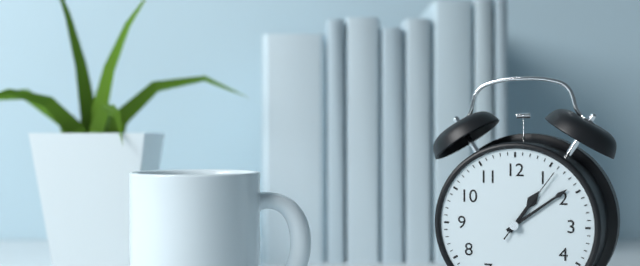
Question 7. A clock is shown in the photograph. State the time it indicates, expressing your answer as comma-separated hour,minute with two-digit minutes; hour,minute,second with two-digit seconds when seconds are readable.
1,09,06
